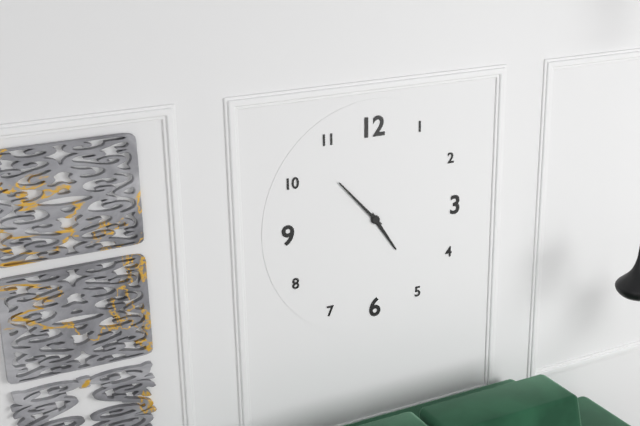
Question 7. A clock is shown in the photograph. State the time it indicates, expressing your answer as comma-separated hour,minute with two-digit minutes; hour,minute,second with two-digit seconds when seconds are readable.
4,53
